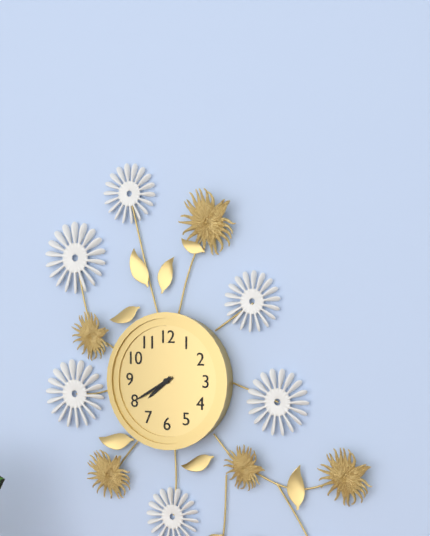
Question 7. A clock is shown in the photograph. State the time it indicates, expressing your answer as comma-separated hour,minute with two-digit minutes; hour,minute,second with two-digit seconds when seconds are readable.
7,40
